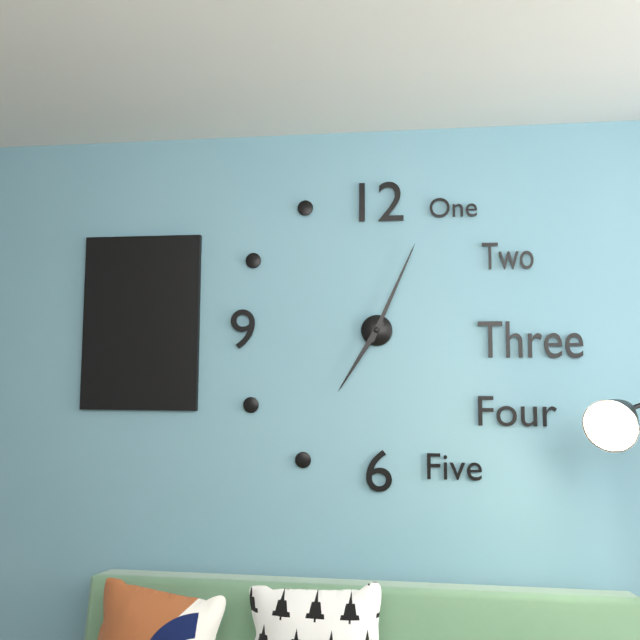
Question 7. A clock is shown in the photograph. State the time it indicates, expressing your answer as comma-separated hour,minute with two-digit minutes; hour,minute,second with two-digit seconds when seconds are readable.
7,04
